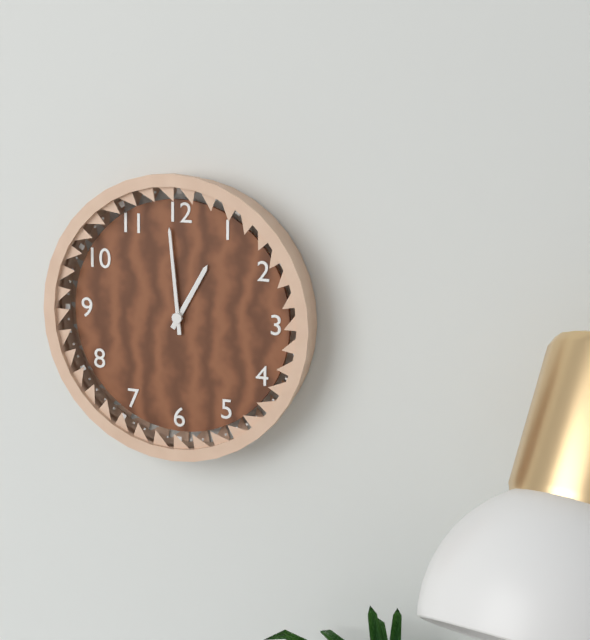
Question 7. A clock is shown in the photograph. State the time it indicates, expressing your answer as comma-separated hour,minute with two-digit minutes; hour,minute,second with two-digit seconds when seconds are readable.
12,59
